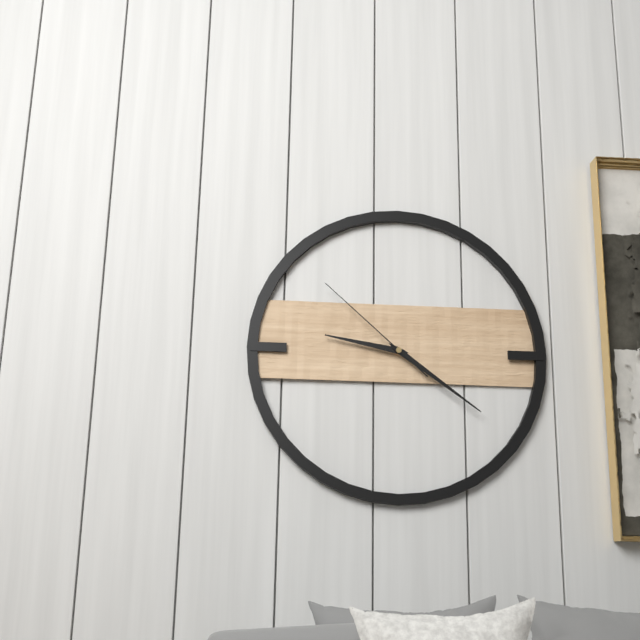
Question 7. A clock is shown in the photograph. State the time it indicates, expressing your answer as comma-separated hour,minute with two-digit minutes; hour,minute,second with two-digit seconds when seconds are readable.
9,21,52
